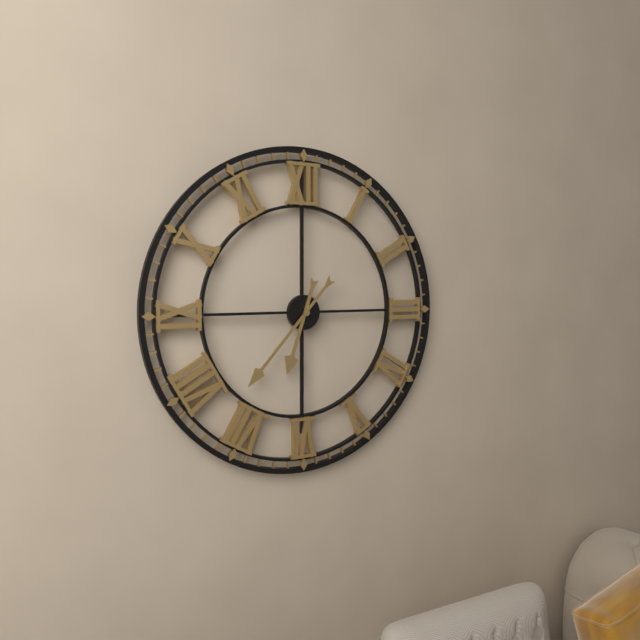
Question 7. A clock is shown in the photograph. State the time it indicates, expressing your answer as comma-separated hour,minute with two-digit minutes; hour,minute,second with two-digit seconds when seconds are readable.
6,37
